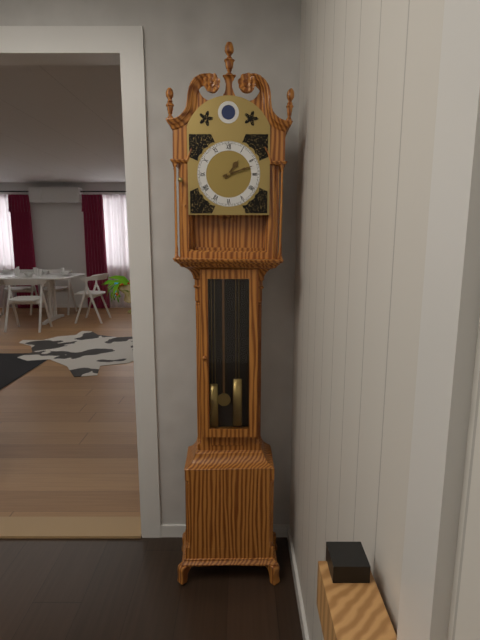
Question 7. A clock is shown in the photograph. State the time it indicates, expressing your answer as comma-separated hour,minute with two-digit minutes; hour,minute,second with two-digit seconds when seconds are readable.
1,12
